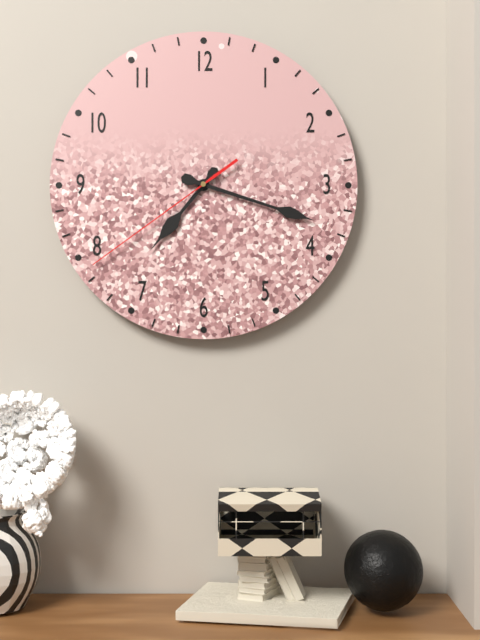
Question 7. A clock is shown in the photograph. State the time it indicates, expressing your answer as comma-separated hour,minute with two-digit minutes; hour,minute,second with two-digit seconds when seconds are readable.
7,18,39
